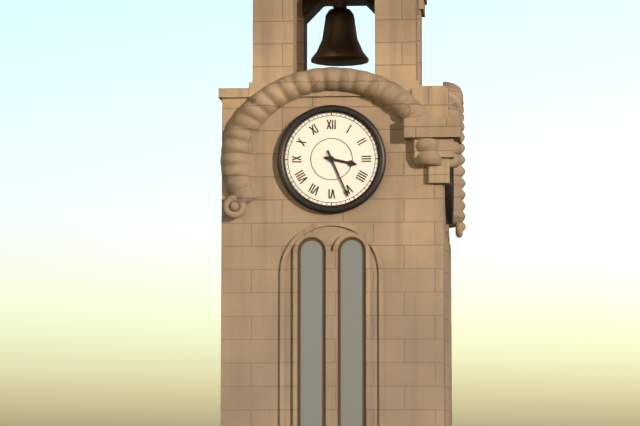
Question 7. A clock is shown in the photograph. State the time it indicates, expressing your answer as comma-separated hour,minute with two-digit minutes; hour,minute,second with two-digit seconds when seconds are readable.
3,26
